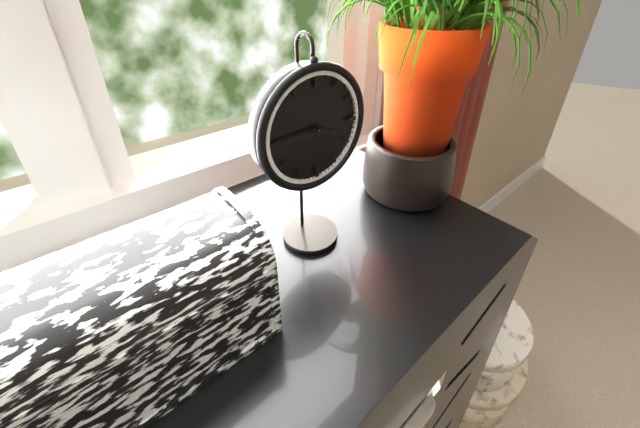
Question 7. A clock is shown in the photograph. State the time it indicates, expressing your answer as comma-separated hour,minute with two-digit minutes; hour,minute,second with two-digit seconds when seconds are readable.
3,45
